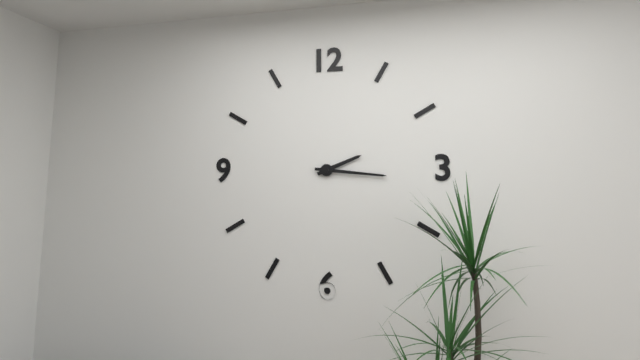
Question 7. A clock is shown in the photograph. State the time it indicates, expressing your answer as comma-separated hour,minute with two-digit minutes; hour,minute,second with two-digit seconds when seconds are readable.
2,16
